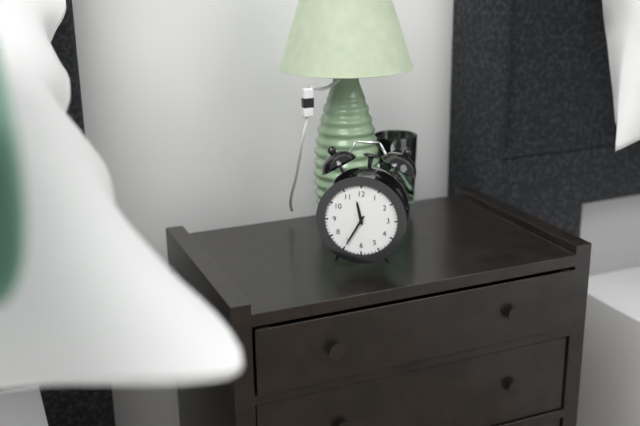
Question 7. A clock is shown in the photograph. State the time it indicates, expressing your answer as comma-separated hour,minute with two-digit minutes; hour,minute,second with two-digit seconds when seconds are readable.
11,35
